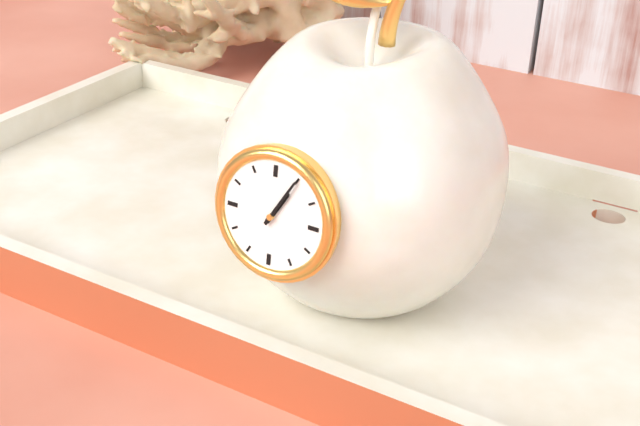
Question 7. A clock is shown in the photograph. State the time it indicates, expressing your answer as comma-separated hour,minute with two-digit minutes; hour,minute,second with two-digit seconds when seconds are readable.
1,05
